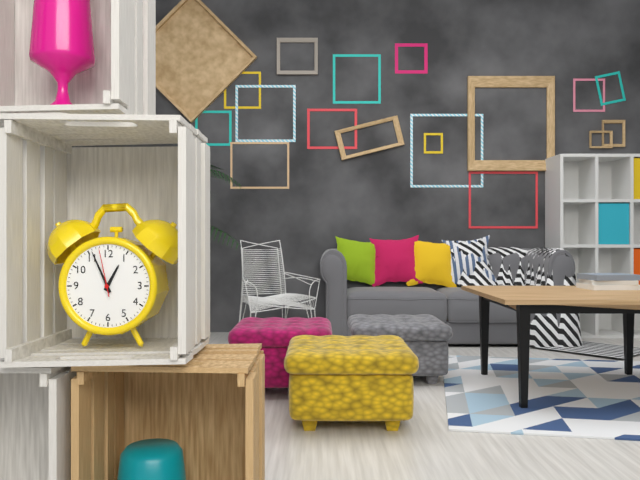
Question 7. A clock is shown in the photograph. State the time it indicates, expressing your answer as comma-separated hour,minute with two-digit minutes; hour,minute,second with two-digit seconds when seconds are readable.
12,56
